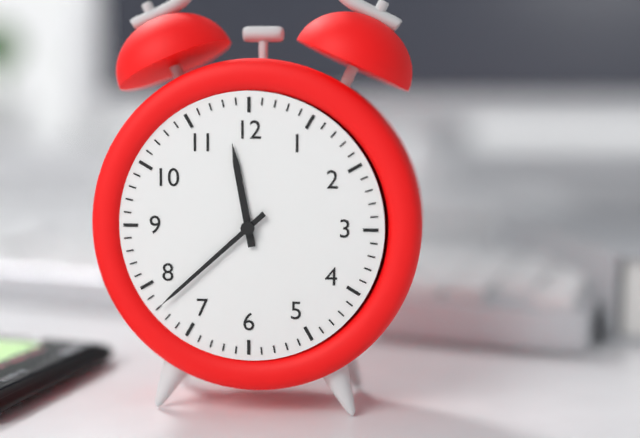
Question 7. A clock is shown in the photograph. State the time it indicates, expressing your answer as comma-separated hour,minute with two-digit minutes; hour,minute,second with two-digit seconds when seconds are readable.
11,38
